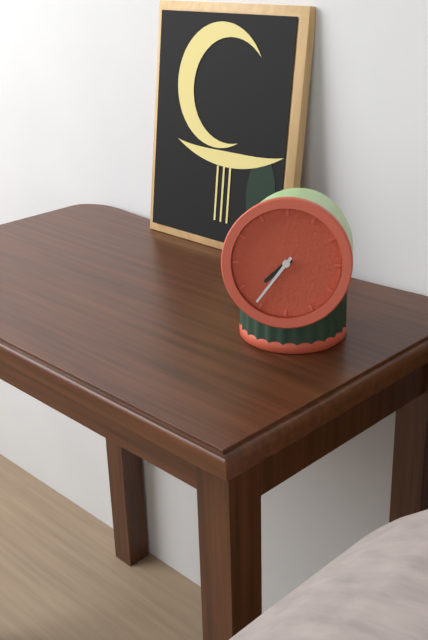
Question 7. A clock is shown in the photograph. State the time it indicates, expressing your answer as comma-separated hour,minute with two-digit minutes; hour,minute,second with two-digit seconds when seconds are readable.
7,36
